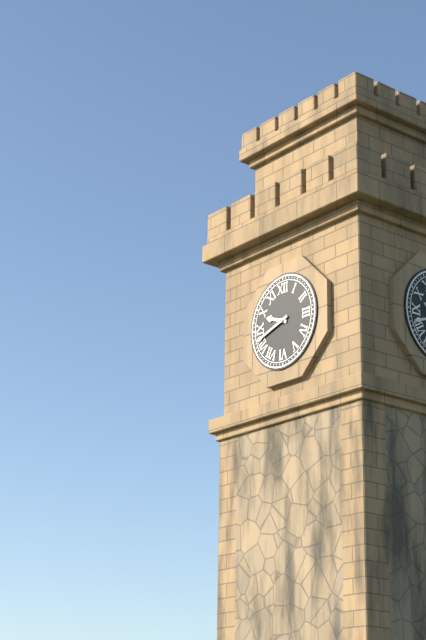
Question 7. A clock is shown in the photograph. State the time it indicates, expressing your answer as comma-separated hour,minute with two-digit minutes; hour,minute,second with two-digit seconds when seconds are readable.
9,42
